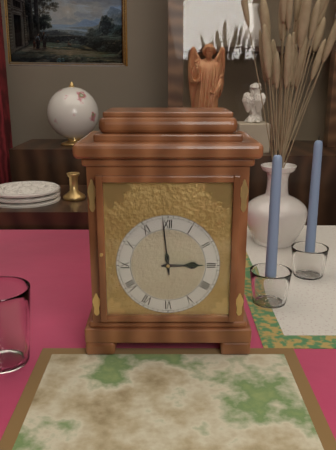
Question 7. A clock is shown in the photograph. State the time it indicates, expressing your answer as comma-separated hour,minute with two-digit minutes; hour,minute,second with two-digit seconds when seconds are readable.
2,59
